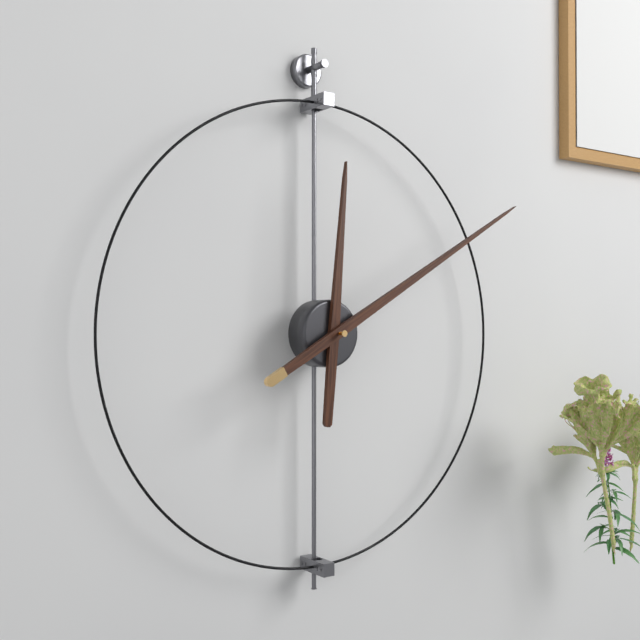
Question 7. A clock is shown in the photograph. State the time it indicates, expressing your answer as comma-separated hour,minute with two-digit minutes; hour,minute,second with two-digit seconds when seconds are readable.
12,10
